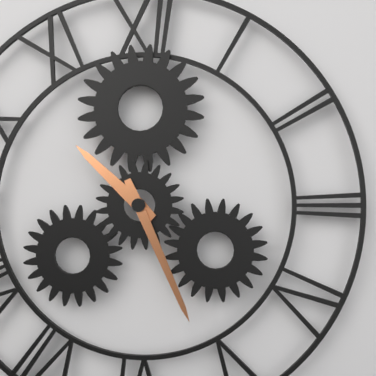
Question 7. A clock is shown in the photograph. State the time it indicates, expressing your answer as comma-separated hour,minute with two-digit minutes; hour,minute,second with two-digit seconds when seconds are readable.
10,26
